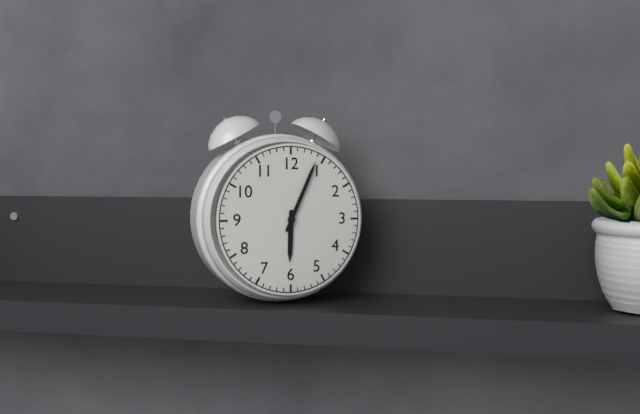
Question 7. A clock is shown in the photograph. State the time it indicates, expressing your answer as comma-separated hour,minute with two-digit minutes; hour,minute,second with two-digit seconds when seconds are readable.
6,04
